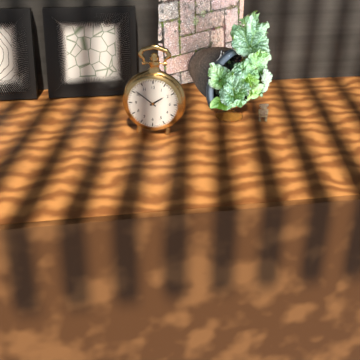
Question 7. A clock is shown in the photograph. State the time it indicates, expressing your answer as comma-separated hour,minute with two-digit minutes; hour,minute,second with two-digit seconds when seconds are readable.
1,51
